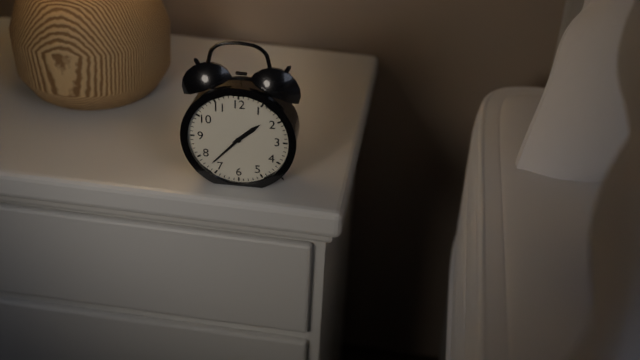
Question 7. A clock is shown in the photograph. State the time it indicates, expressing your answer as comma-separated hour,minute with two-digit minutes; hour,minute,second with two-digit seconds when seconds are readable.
1,37
